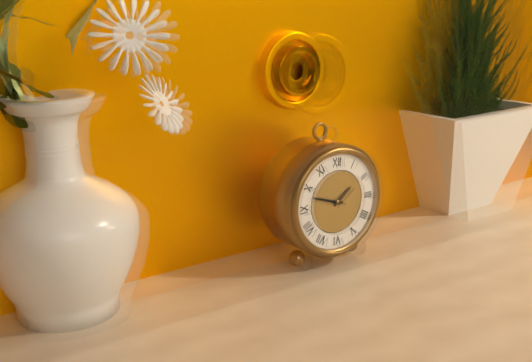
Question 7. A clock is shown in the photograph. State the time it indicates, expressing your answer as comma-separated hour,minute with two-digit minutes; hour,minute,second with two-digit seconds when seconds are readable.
1,48
